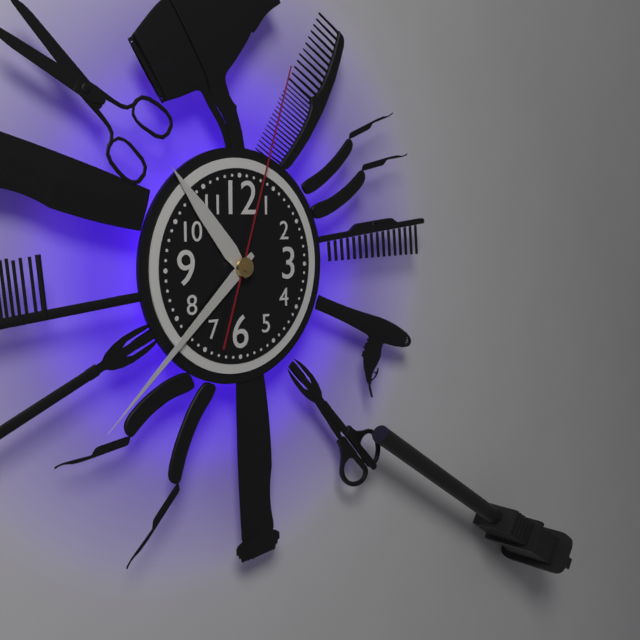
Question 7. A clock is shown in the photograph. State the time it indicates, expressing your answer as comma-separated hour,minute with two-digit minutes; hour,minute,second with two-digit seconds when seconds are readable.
10,38,03
